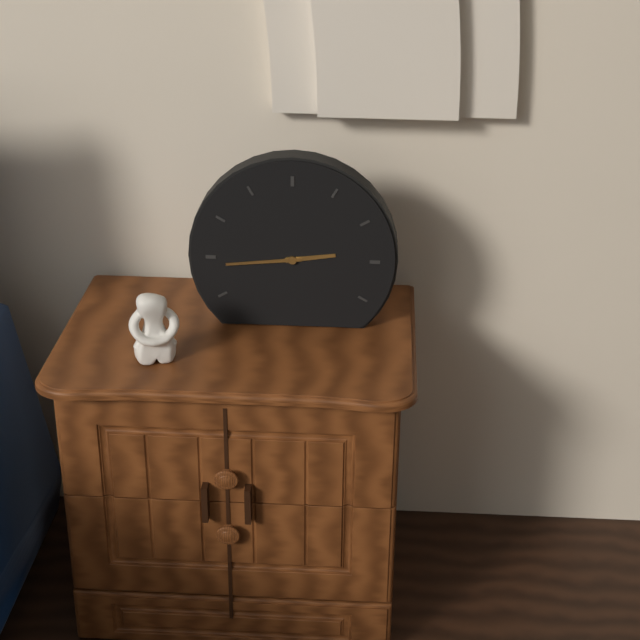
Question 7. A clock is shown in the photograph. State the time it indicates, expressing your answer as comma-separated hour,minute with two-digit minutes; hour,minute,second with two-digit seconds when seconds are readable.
2,44
